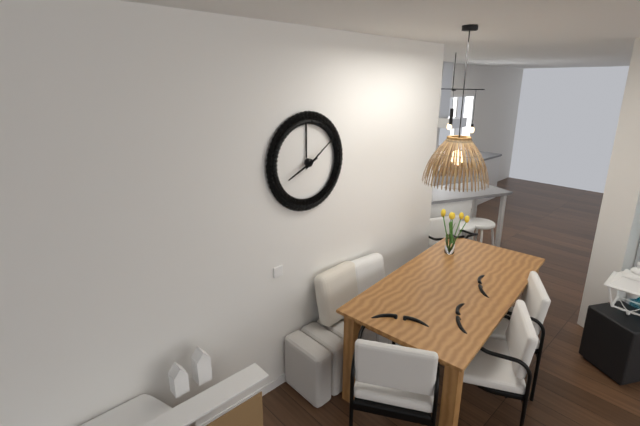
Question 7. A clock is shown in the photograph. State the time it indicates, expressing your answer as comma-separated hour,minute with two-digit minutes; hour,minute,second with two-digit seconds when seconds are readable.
8,09
